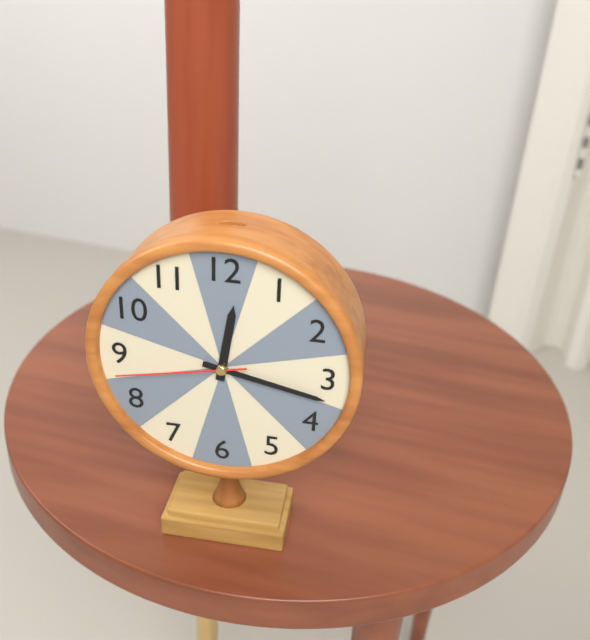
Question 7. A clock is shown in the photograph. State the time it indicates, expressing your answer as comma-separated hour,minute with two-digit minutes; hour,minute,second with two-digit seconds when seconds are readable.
12,17,43
